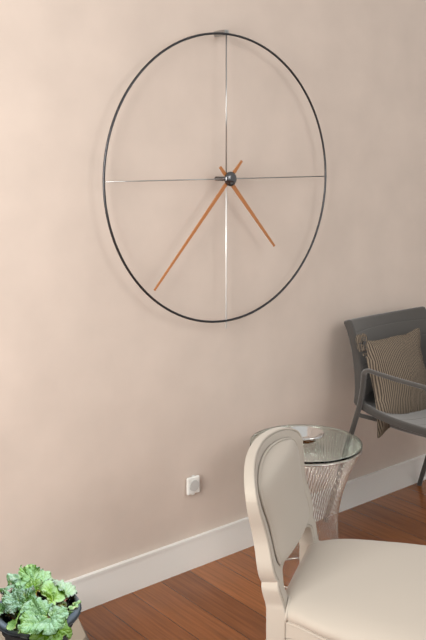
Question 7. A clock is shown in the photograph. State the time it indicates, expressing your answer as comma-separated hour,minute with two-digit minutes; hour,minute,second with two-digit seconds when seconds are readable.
4,37
